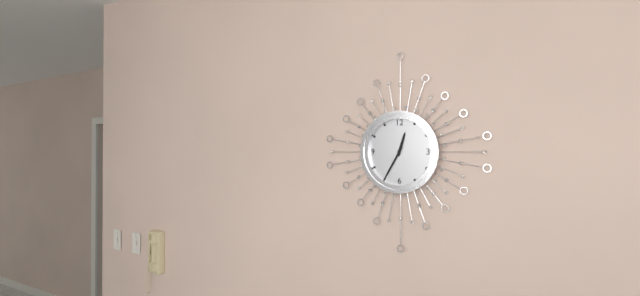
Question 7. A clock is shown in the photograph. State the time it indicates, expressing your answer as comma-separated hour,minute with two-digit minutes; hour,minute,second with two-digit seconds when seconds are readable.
12,35
